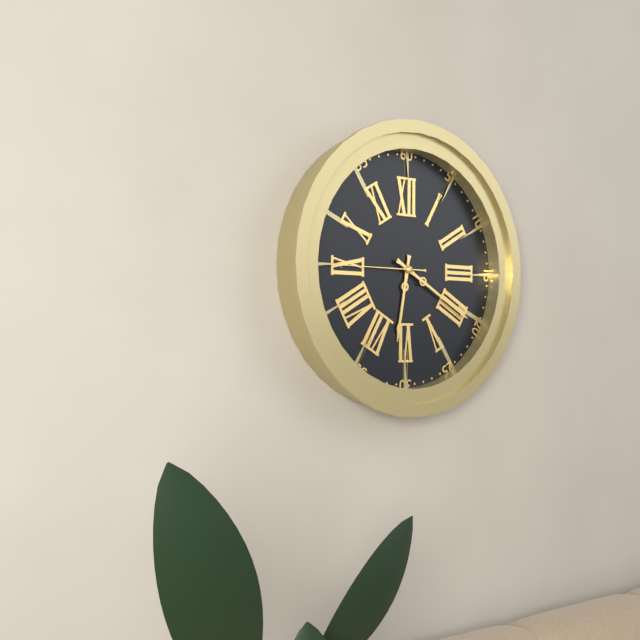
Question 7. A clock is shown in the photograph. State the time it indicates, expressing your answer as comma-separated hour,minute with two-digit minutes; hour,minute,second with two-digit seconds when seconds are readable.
6,20,45
